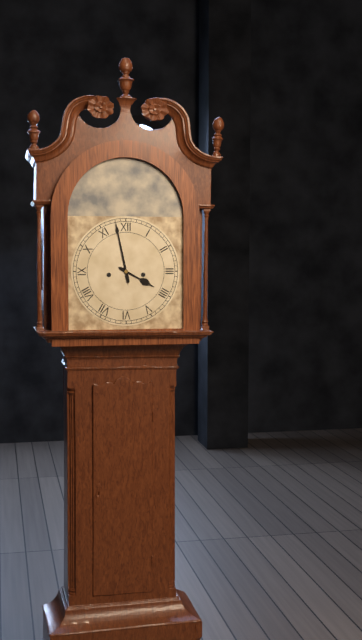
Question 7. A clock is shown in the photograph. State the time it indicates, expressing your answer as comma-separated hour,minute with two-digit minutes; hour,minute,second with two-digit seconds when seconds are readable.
3,58
